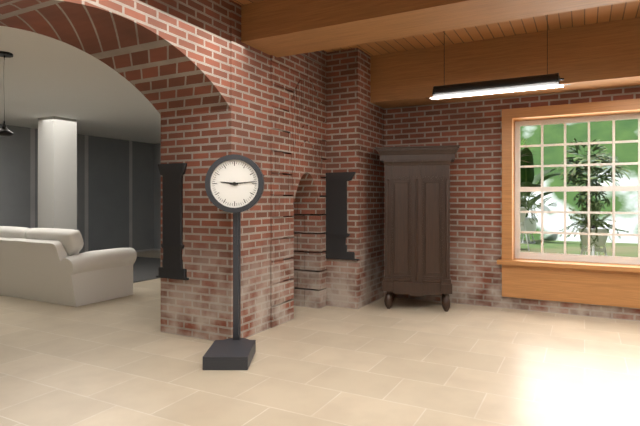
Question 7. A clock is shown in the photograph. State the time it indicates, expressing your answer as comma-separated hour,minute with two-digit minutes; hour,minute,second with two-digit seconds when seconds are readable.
9,14
